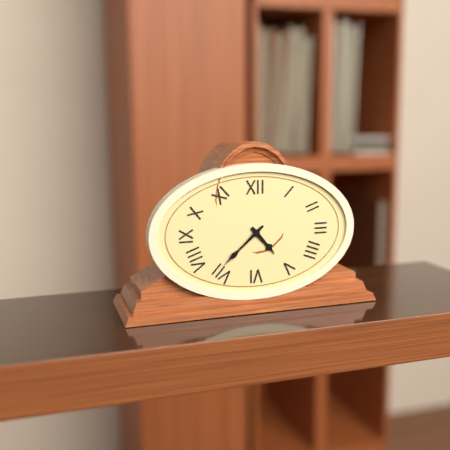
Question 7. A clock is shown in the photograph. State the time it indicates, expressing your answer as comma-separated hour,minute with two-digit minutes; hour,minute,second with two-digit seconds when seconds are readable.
4,38
